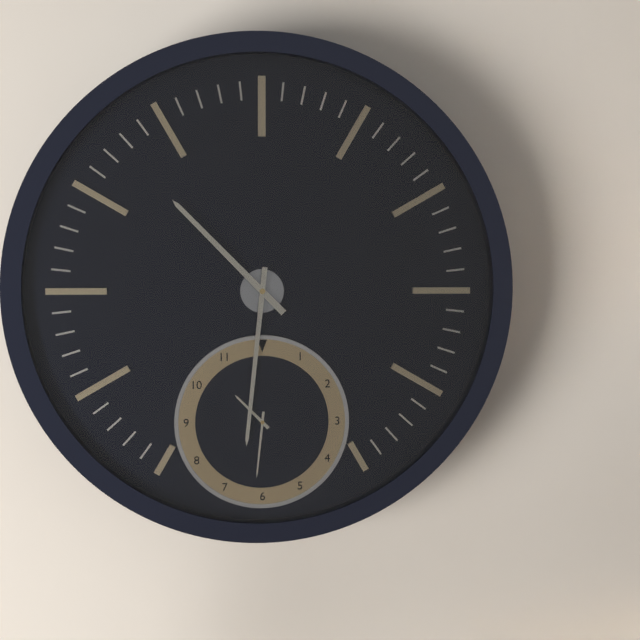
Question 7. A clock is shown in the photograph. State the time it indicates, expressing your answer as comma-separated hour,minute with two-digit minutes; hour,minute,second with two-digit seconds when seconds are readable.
10,31
